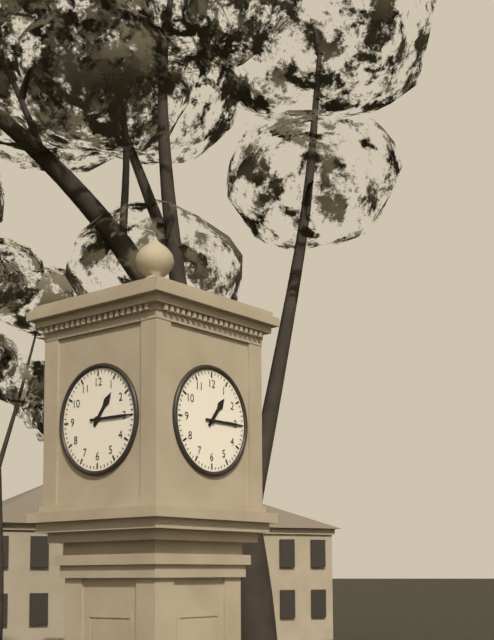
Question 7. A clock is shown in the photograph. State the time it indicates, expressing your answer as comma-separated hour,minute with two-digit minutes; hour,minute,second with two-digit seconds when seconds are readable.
1,15
